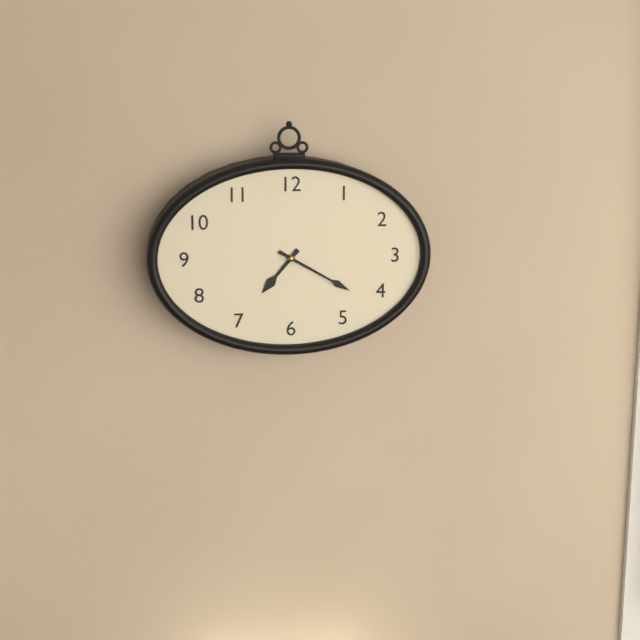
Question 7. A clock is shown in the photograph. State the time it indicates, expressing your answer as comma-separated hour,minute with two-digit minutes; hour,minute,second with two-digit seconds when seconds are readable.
7,20
